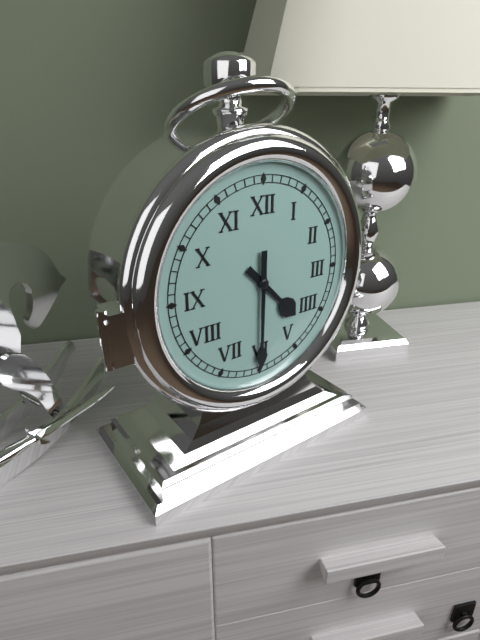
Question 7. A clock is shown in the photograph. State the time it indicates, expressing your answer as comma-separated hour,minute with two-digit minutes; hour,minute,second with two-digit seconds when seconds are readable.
4,30
